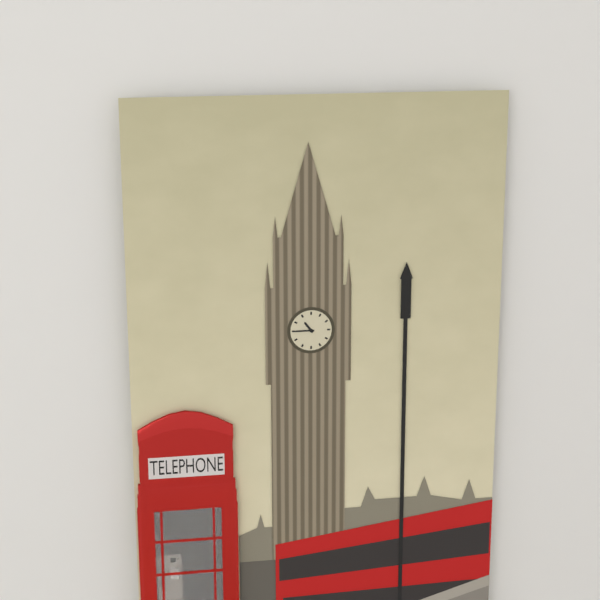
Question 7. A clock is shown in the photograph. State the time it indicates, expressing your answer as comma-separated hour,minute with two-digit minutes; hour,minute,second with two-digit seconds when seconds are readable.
10,45
